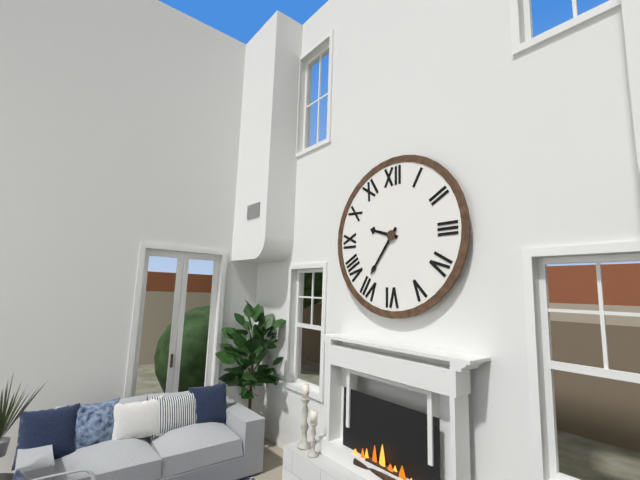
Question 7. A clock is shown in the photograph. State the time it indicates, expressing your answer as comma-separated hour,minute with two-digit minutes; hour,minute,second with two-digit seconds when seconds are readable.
9,36
